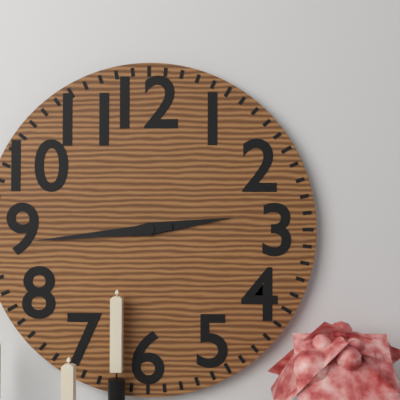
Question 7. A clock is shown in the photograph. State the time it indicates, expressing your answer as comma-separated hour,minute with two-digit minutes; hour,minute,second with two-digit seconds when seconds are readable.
2,44
